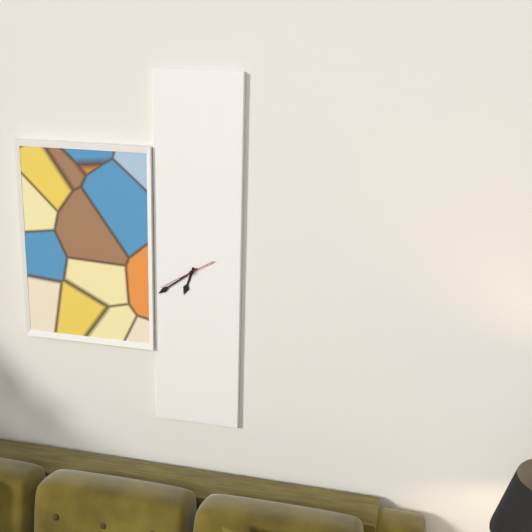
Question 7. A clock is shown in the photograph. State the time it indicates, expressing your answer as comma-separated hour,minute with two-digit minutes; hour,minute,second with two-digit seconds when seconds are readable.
6,39
